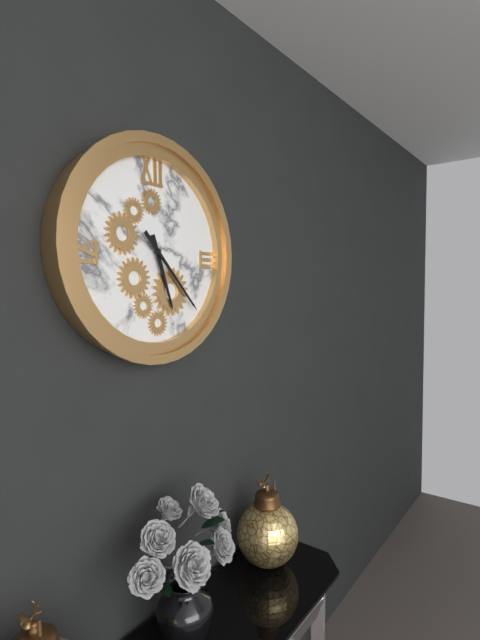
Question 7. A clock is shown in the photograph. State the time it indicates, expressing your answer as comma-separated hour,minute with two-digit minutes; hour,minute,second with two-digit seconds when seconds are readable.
5,23
